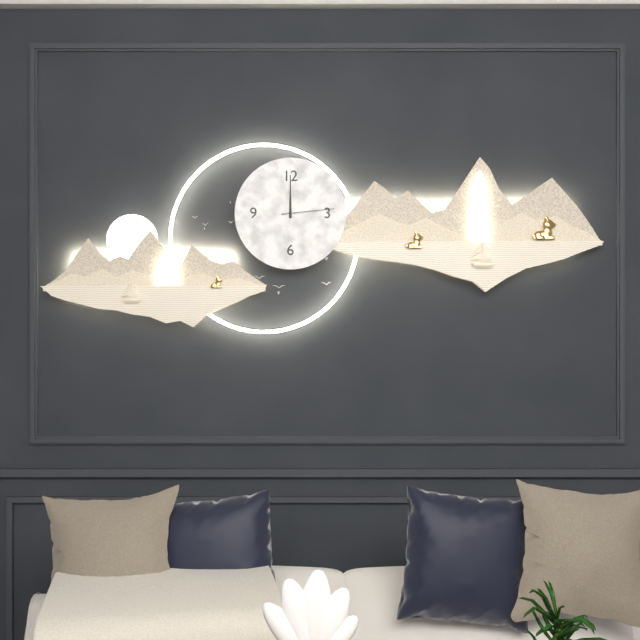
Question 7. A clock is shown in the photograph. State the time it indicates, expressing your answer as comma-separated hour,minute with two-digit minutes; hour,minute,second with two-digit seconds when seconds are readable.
12,00,14
